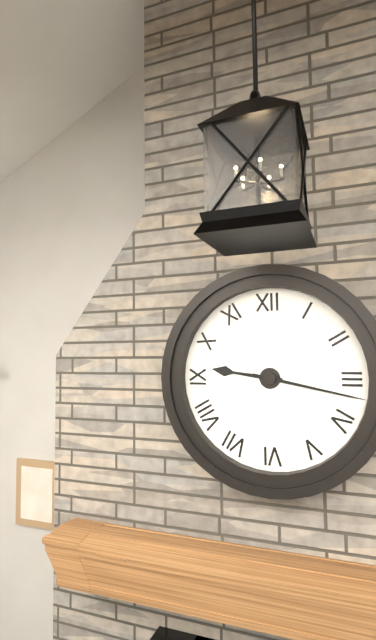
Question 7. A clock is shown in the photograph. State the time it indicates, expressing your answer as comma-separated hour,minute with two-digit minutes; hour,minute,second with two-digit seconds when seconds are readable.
9,17
